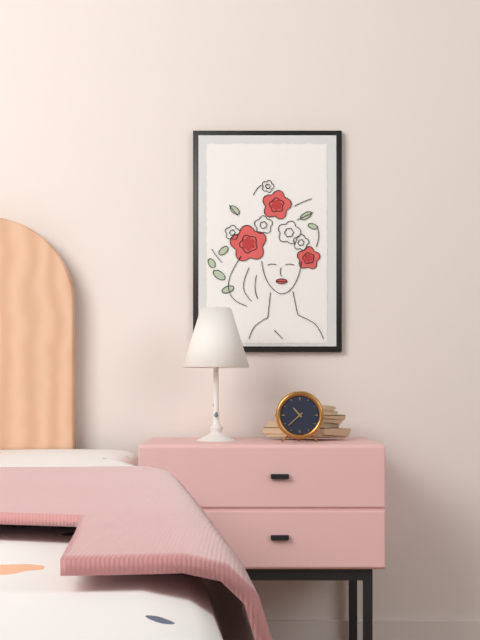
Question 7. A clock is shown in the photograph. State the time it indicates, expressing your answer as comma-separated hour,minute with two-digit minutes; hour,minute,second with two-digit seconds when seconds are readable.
10,38
